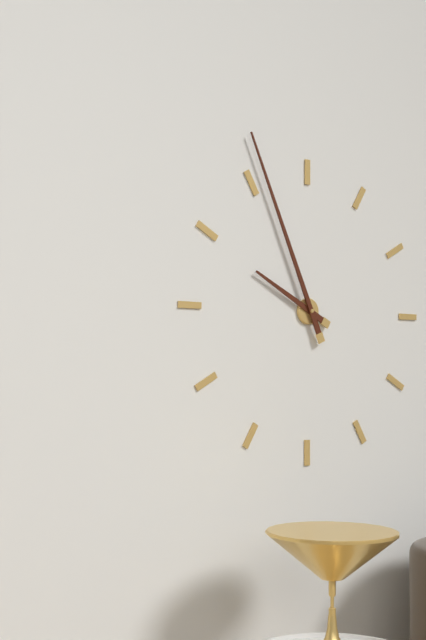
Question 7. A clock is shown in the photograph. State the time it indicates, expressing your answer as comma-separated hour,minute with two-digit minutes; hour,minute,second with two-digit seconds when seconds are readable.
9,56
